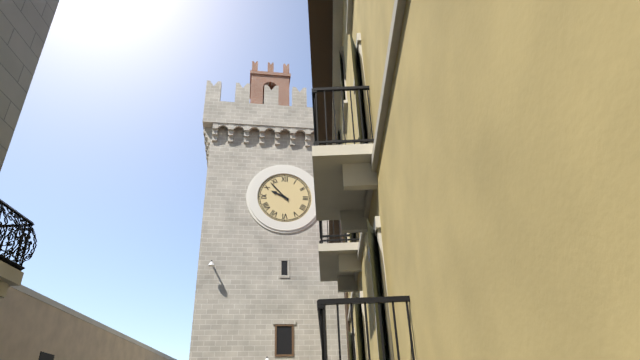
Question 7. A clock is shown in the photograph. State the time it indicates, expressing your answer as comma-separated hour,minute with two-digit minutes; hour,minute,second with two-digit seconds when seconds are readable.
9,53
